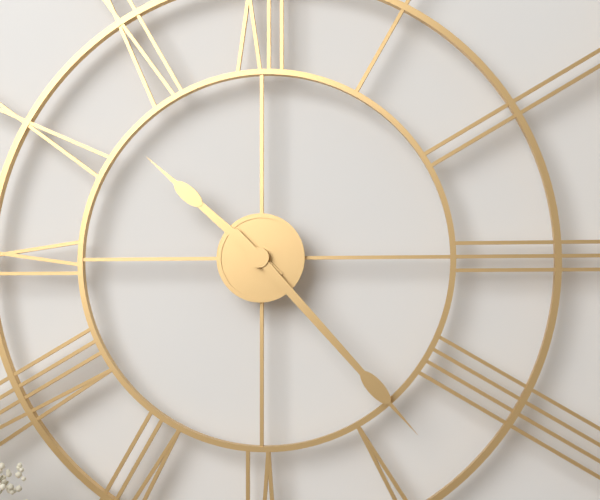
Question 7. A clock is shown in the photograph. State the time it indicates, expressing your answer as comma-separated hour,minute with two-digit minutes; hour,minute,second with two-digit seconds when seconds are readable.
10,23
